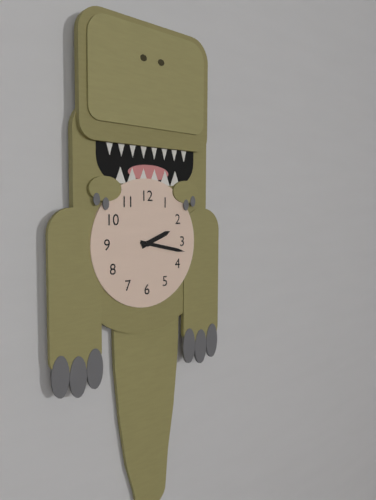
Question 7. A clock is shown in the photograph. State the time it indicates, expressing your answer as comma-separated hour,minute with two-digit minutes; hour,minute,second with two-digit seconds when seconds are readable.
2,17
